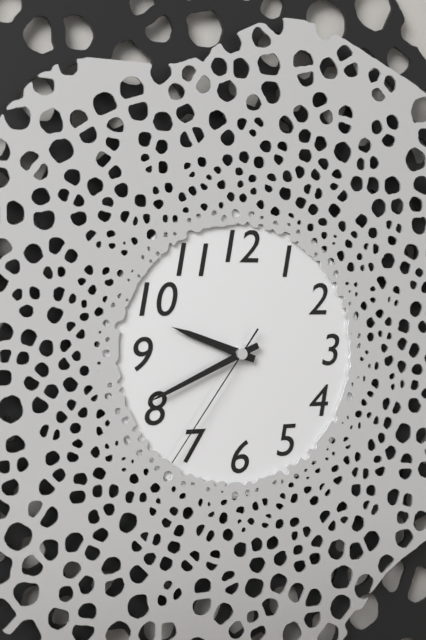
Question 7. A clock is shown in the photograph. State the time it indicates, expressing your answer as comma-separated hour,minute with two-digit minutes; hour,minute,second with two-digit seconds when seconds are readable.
9,41,36
